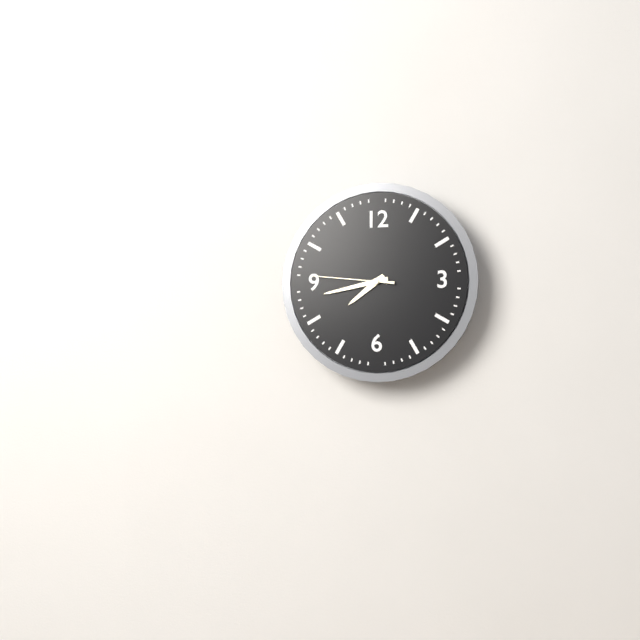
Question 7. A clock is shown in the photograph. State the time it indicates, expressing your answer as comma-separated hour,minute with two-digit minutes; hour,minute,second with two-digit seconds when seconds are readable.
7,43,46
